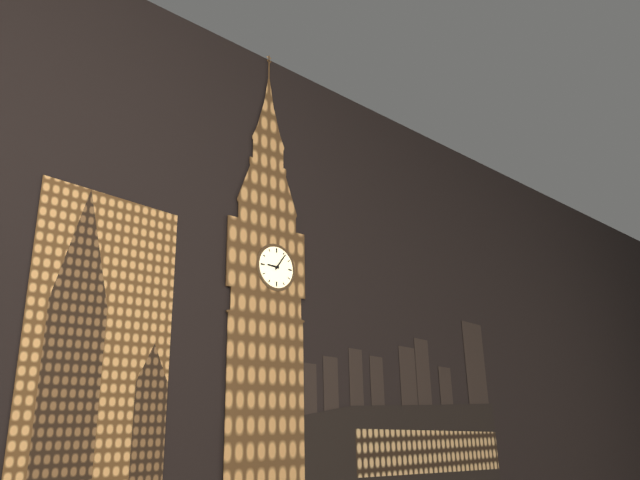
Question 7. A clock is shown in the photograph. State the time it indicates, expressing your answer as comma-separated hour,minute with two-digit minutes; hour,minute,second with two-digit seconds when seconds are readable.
9,06
